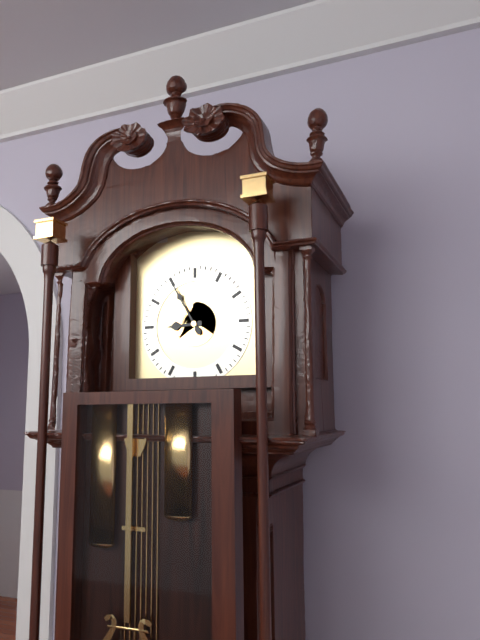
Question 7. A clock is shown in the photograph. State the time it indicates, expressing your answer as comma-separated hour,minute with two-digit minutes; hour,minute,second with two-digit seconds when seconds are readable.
8,55
